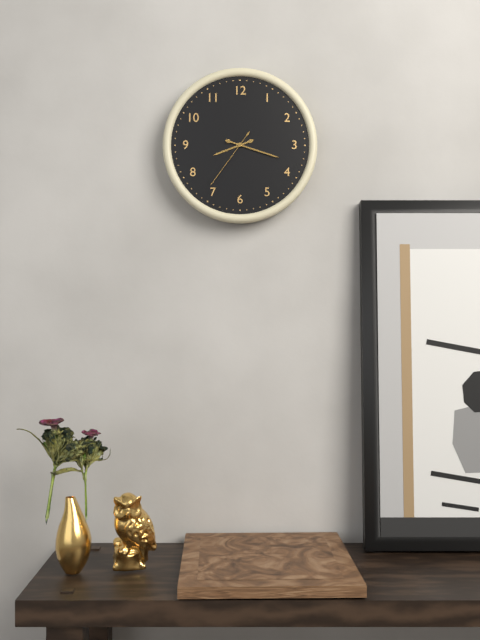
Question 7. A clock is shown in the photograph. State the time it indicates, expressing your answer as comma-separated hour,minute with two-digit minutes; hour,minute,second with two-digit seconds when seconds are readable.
8,18,36
